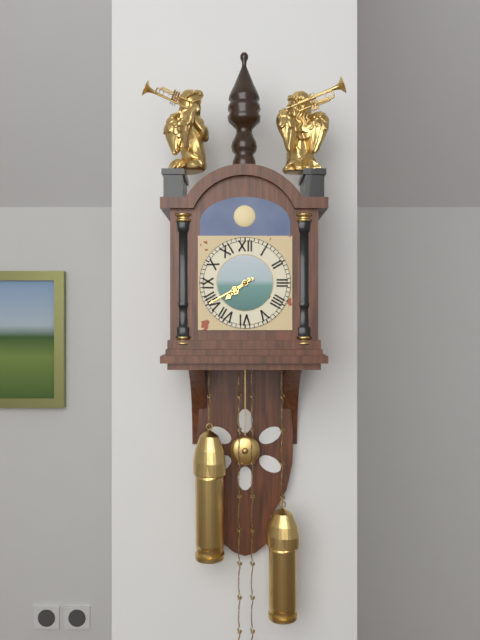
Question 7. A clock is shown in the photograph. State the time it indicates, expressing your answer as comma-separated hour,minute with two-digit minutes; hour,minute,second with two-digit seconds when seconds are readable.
7,40
